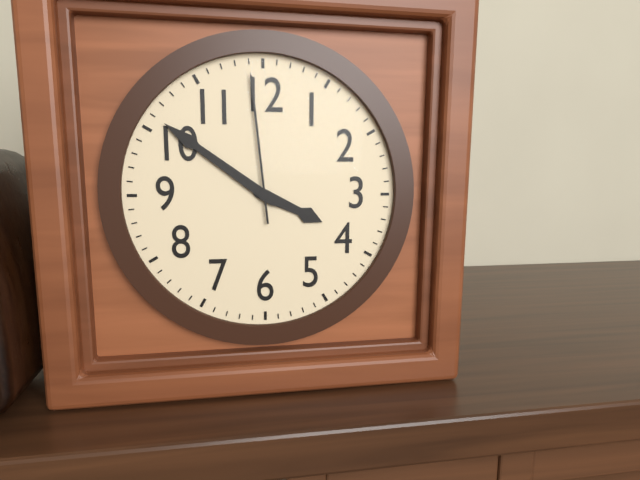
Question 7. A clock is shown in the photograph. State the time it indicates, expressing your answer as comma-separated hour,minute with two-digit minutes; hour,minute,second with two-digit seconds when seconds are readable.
3,51,59
